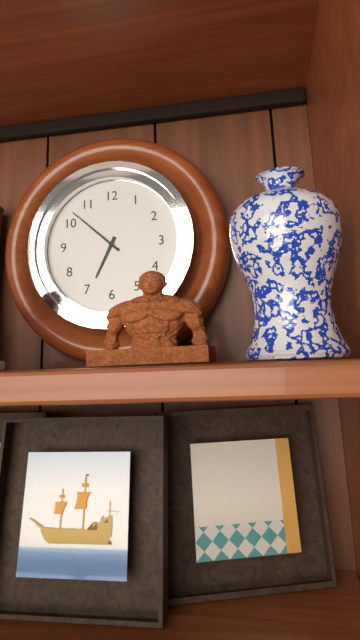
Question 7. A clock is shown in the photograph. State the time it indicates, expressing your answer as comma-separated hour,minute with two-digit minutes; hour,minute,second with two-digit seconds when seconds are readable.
6,52
